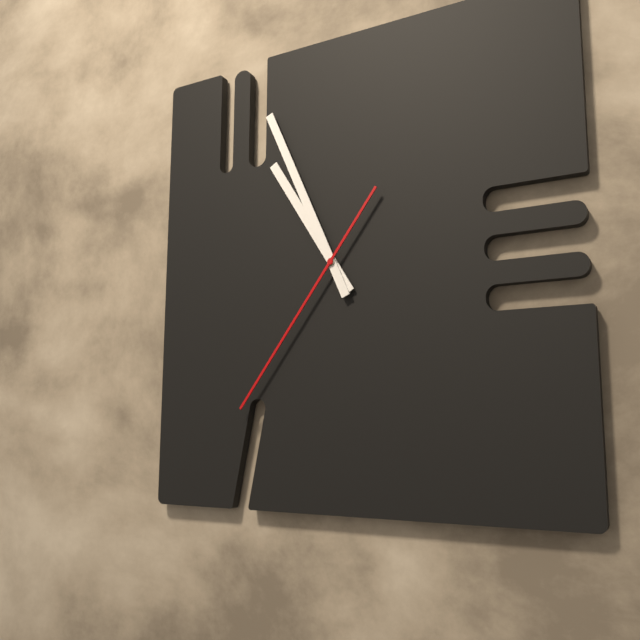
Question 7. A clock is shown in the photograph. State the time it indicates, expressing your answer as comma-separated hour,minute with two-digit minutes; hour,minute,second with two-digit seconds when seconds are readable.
10,56,36
